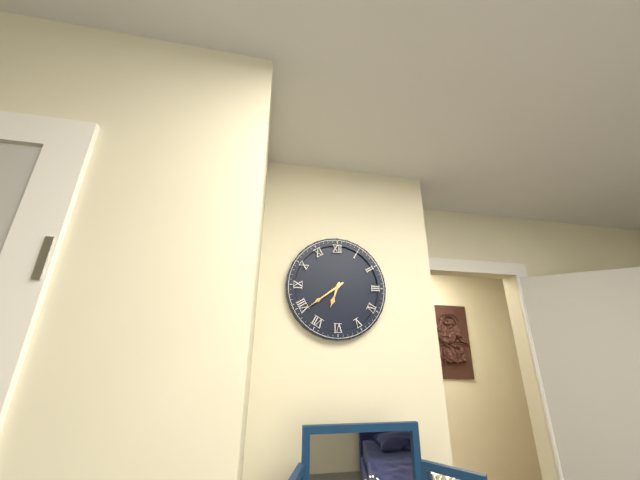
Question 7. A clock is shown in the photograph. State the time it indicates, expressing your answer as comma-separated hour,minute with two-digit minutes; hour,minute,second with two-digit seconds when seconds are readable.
6,39
